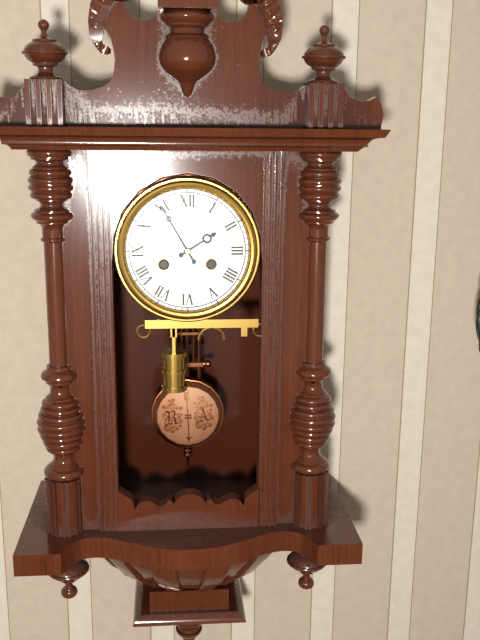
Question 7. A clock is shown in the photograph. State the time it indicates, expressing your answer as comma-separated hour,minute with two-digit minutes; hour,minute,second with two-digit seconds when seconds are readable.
1,55
